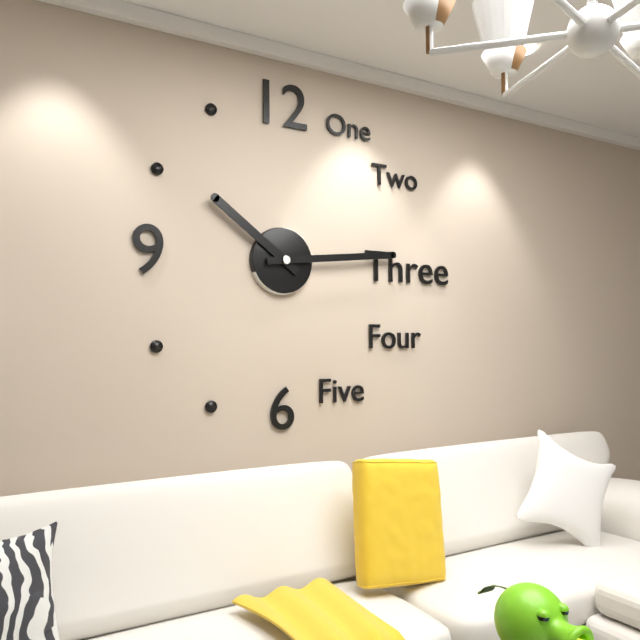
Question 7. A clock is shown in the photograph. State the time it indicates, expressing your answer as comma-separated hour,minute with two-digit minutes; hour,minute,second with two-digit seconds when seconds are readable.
10,14
